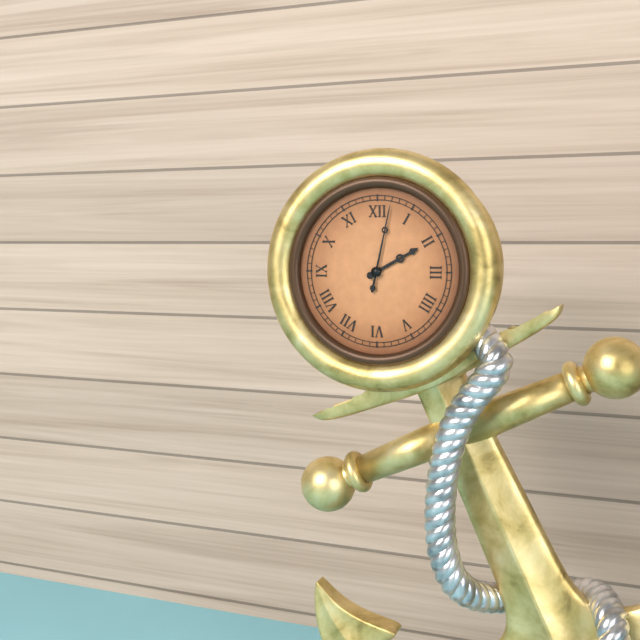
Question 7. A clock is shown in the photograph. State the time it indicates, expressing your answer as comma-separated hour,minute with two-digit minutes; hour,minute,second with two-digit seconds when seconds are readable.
2,02
